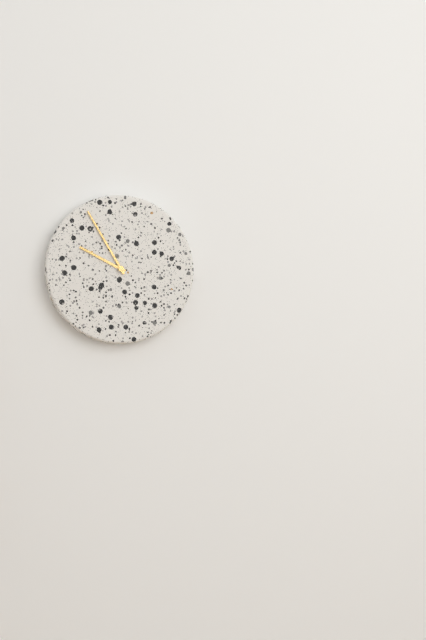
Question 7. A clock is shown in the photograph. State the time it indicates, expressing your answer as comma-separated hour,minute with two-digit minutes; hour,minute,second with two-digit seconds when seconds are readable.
9,55
